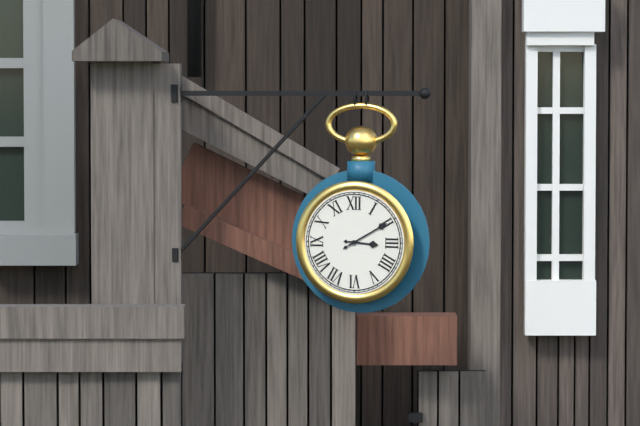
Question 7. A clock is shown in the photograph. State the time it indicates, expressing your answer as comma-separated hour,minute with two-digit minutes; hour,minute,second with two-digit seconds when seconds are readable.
3,10
